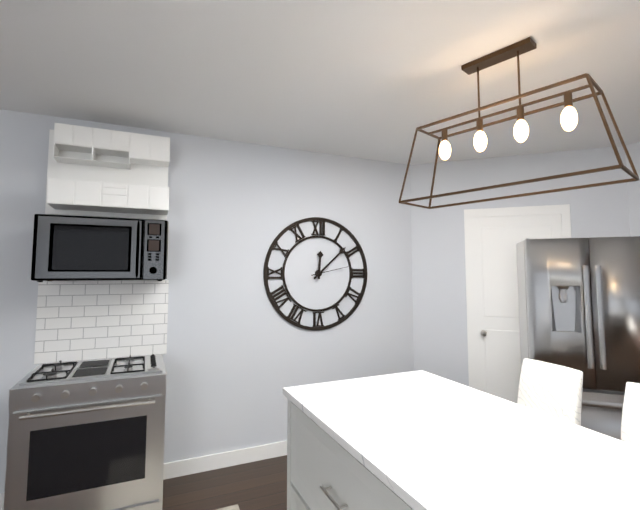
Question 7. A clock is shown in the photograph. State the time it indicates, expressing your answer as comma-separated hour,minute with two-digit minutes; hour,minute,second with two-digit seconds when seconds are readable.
12,08
